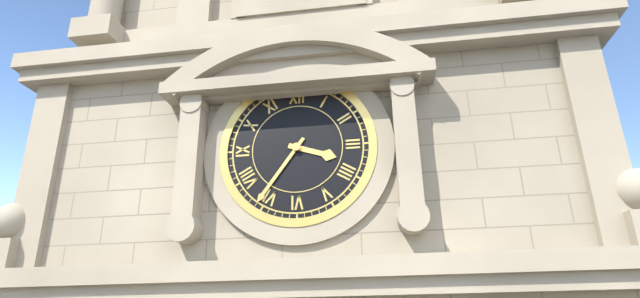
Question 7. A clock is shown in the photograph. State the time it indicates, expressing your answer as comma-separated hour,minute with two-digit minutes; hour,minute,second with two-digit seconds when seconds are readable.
3,36
